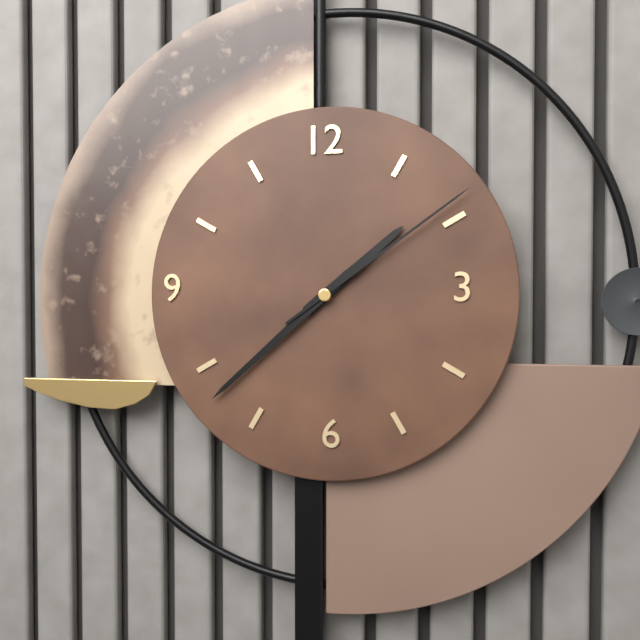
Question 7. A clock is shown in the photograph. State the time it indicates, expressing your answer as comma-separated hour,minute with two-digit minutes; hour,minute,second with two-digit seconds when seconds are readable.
1,38,09
